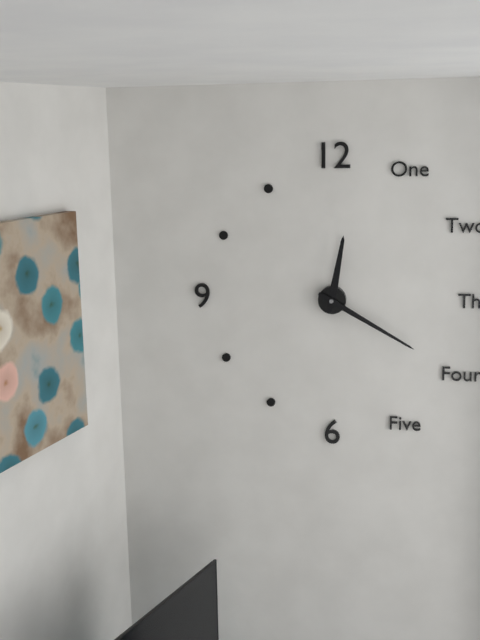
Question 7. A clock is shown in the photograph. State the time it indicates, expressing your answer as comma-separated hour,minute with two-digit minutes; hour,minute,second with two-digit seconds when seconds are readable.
12,20
